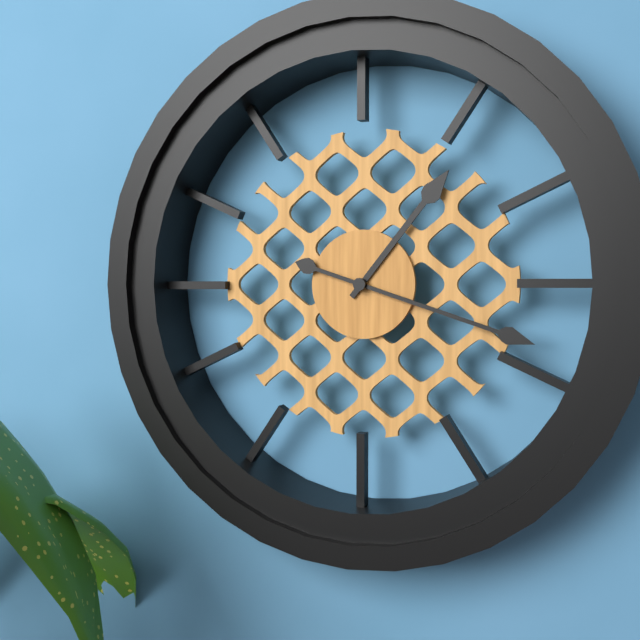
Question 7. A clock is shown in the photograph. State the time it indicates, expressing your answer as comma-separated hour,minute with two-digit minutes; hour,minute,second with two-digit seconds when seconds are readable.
1,18
